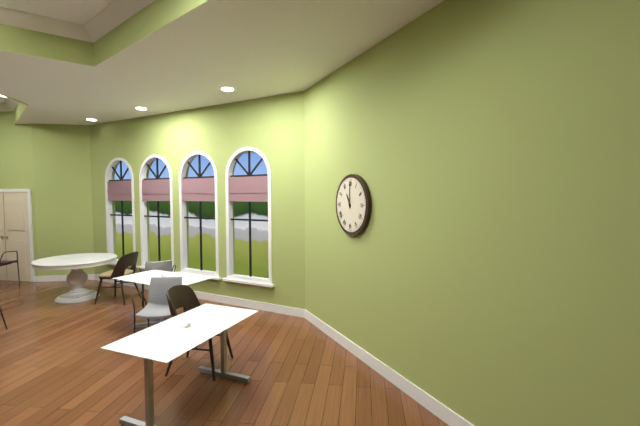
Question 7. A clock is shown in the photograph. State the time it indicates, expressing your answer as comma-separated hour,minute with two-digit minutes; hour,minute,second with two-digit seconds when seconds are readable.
11,00
